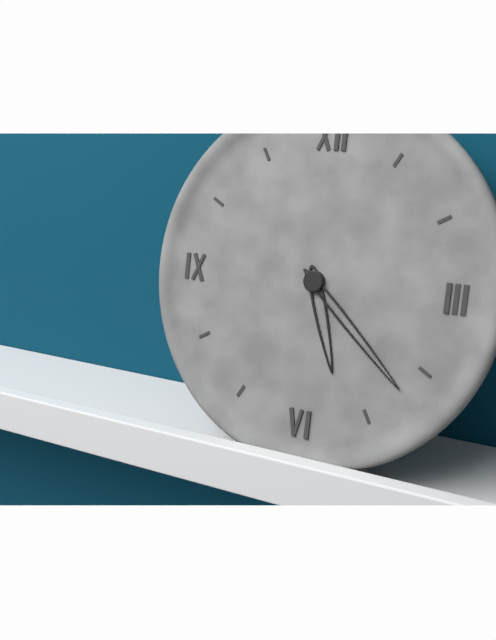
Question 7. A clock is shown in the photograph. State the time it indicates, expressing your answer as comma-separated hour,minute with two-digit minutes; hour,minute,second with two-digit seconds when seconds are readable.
5,22
